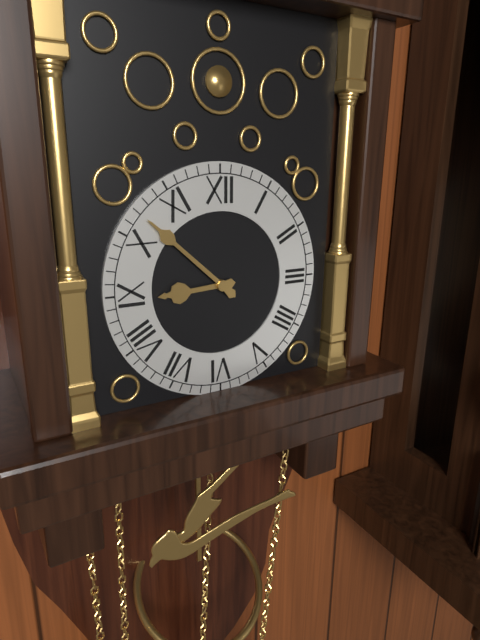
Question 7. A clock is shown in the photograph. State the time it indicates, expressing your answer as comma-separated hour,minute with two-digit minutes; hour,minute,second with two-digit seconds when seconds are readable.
8,52
